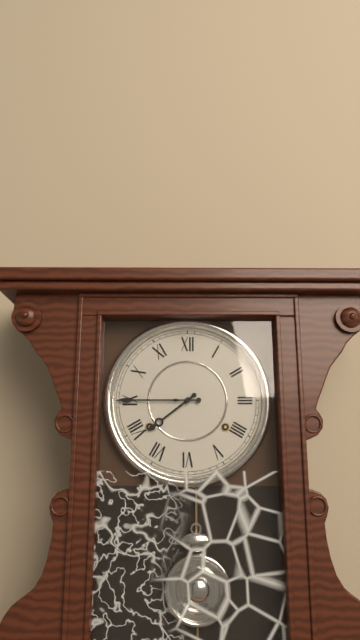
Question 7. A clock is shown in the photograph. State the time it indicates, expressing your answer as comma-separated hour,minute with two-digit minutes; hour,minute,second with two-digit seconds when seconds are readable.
7,45
